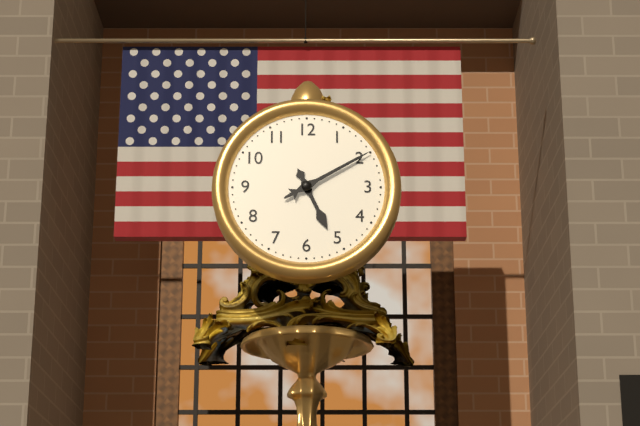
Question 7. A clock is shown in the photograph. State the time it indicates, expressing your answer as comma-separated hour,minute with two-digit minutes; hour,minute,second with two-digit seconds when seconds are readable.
5,10
